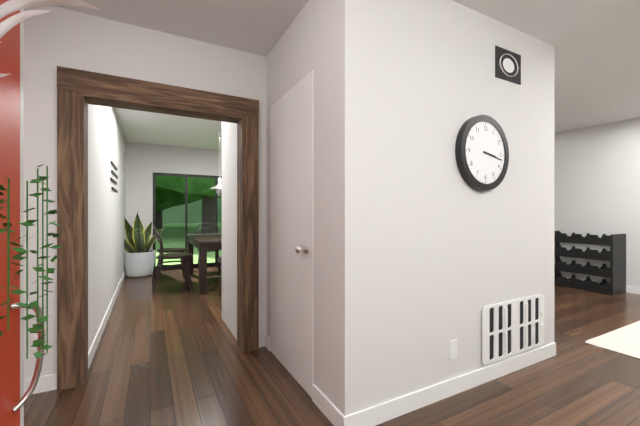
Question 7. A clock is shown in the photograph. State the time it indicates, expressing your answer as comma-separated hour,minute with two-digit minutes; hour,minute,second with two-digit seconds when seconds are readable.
3,17
